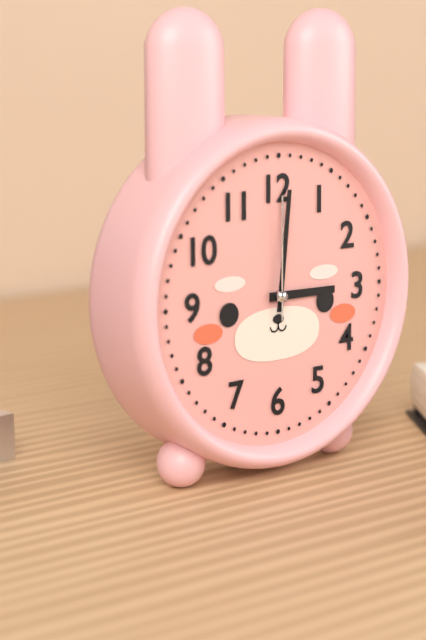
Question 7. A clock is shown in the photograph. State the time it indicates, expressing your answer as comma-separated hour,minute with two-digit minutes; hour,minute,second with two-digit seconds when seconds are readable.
3,01,00
